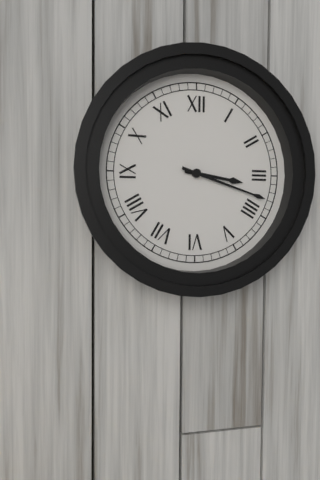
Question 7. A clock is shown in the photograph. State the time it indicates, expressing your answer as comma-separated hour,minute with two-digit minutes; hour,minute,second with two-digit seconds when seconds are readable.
3,18
